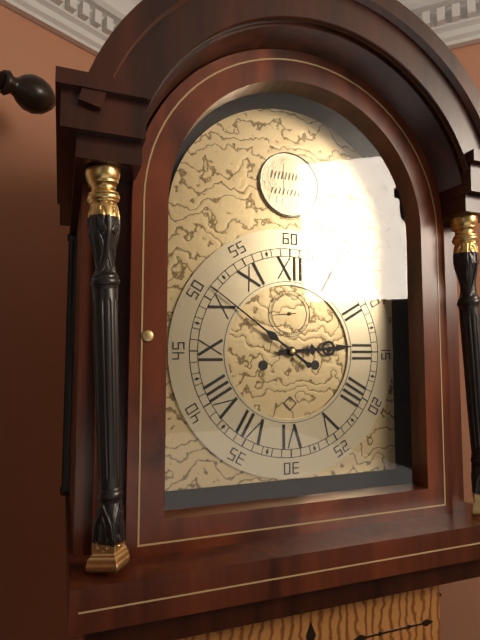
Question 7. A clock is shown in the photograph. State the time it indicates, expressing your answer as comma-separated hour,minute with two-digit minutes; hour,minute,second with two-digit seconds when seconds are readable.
2,51
